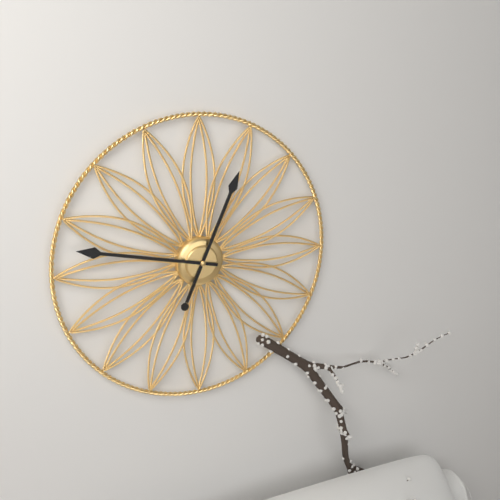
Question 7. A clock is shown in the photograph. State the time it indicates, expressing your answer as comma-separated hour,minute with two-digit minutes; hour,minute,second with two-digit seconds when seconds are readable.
12,47
